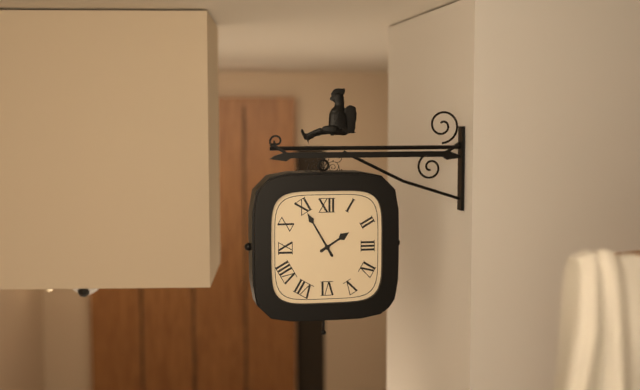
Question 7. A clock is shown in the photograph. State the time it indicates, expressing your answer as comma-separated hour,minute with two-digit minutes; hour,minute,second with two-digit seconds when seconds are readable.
1,55
